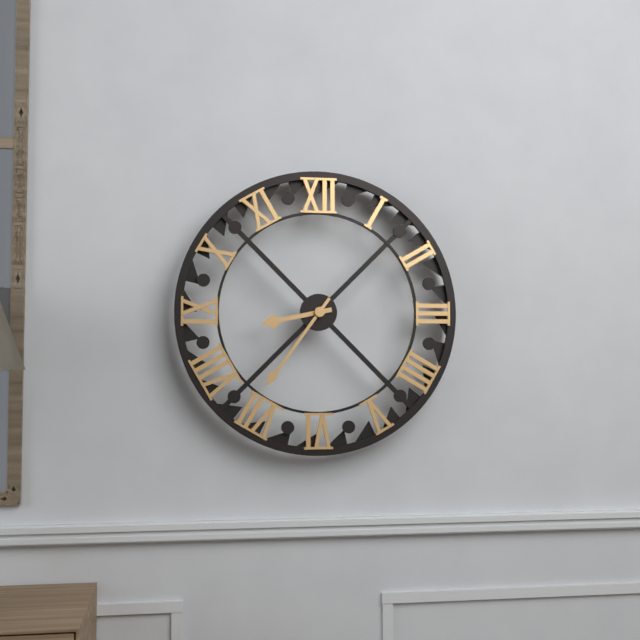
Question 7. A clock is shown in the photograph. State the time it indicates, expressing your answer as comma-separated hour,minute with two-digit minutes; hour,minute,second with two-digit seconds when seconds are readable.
8,36
